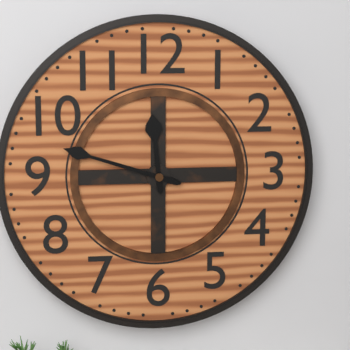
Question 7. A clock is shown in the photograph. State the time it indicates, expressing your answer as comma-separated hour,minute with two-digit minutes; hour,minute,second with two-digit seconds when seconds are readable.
11,48
